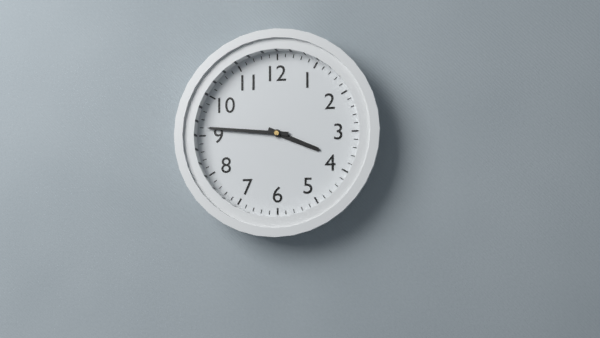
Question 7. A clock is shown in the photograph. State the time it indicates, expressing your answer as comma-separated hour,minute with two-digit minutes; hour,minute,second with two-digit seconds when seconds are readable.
3,46
